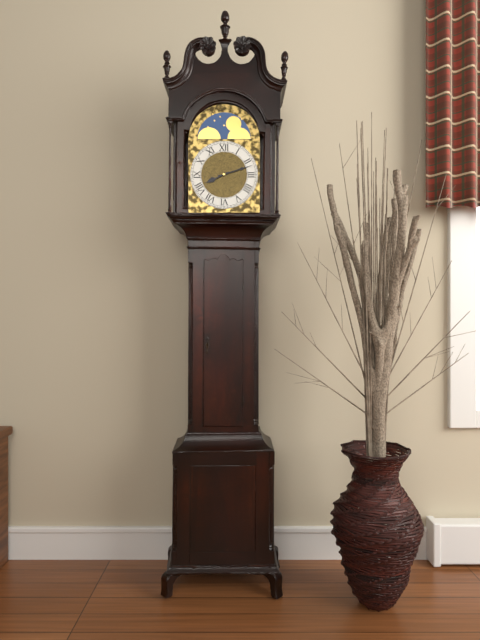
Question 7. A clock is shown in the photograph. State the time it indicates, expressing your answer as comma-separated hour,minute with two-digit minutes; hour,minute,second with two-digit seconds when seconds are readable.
8,12
